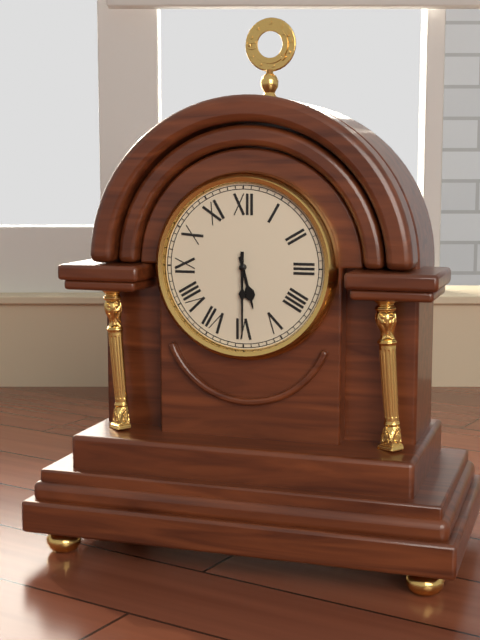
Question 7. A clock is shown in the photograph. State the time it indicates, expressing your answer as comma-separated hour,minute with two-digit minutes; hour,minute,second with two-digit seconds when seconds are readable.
5,30
